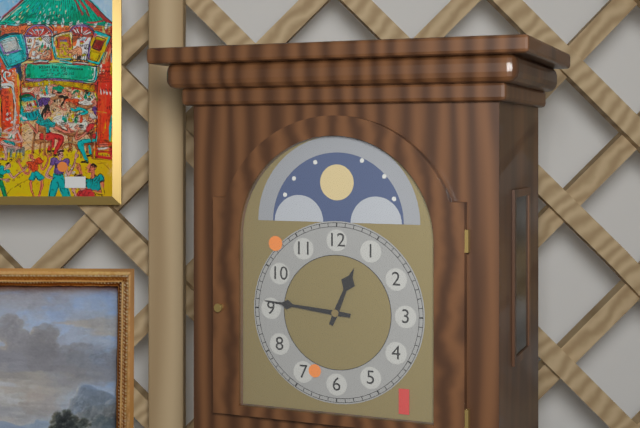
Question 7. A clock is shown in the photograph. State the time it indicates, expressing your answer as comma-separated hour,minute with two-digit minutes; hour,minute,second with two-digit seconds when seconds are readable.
12,46
